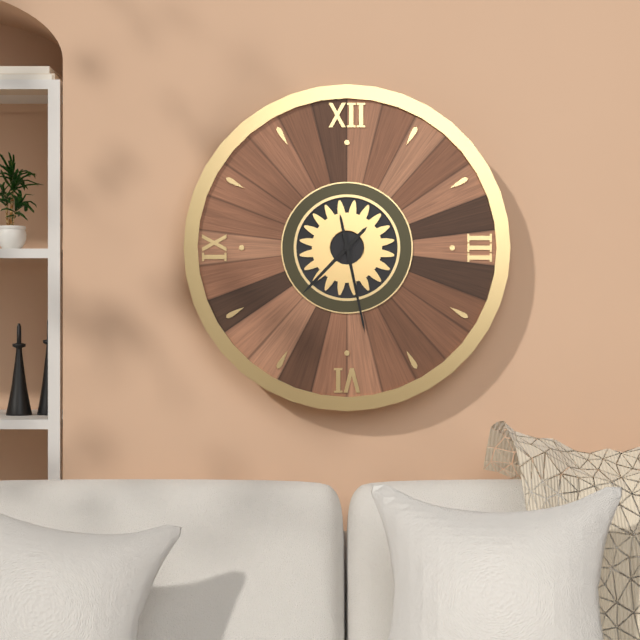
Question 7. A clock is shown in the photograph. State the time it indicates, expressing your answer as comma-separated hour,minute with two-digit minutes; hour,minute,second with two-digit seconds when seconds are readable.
7,28
